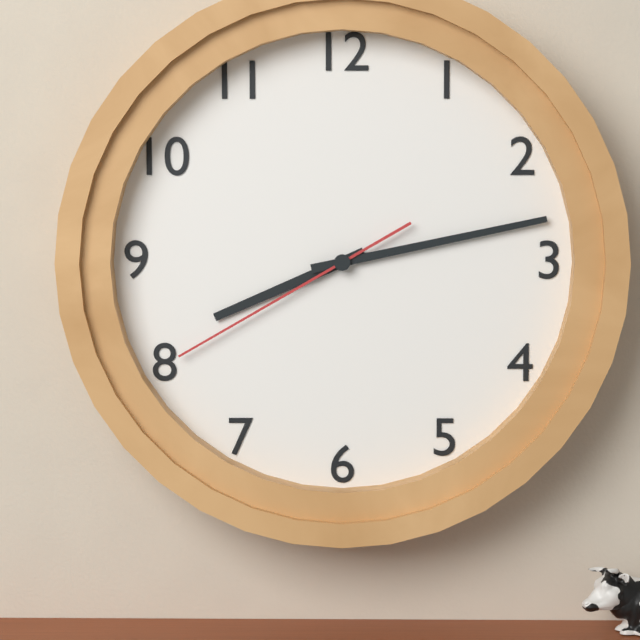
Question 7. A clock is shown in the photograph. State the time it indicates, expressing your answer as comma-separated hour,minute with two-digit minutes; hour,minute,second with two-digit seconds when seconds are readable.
8,13,40
